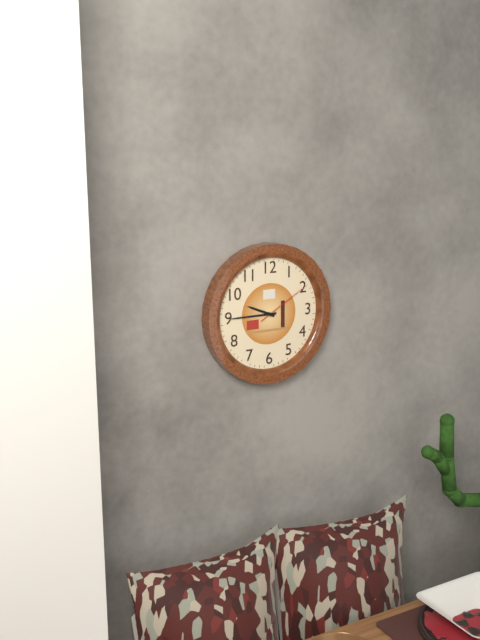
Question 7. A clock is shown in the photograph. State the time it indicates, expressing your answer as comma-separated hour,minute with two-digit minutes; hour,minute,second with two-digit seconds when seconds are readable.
9,45,10
